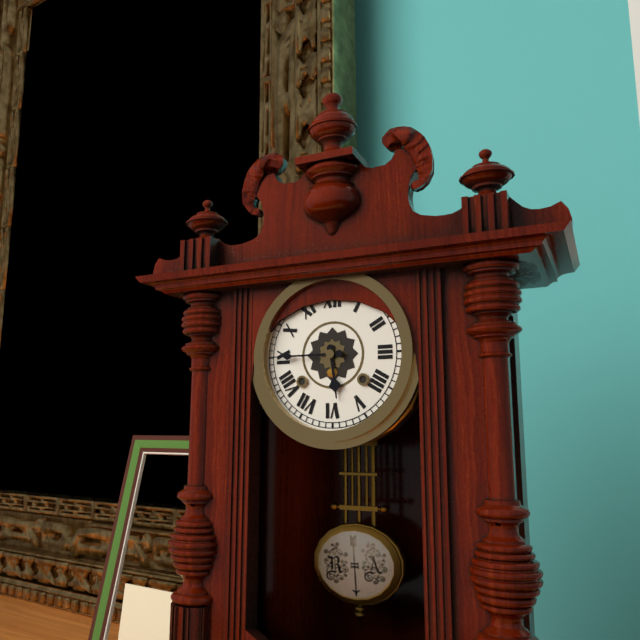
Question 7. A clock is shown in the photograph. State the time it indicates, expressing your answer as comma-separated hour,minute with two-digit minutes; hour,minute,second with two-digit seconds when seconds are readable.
5,45
